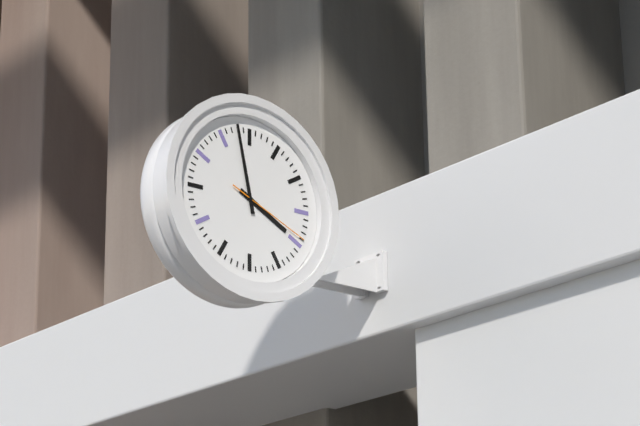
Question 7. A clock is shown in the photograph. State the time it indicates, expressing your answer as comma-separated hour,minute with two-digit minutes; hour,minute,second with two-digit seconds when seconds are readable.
3,58,19
